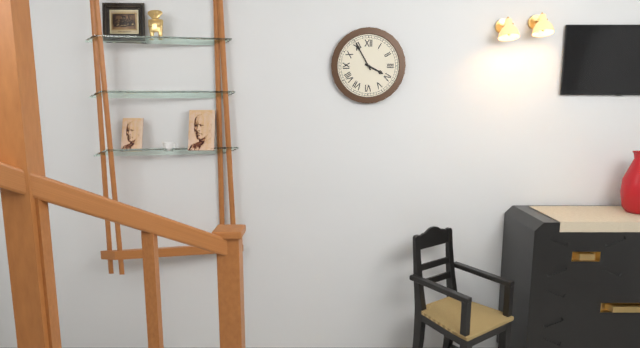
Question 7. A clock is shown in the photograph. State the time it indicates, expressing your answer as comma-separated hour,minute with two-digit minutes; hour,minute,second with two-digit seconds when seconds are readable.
3,55
